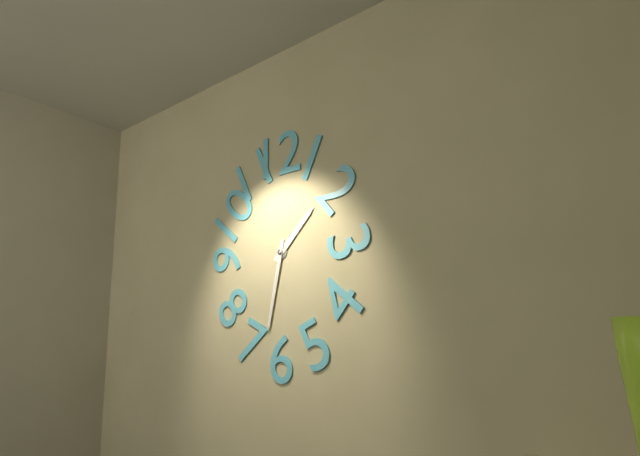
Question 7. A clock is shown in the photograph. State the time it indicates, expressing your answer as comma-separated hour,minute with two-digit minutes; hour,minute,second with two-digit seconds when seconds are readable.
1,32
